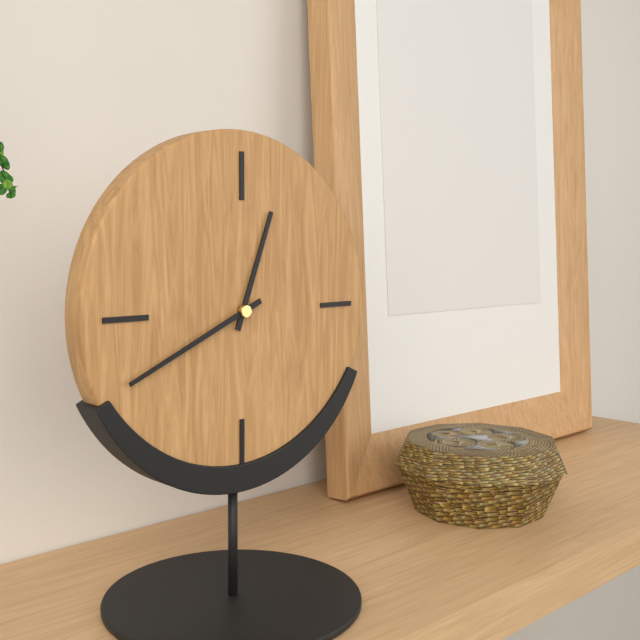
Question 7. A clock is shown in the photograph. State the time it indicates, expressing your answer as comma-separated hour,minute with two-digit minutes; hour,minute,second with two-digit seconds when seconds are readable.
12,41
